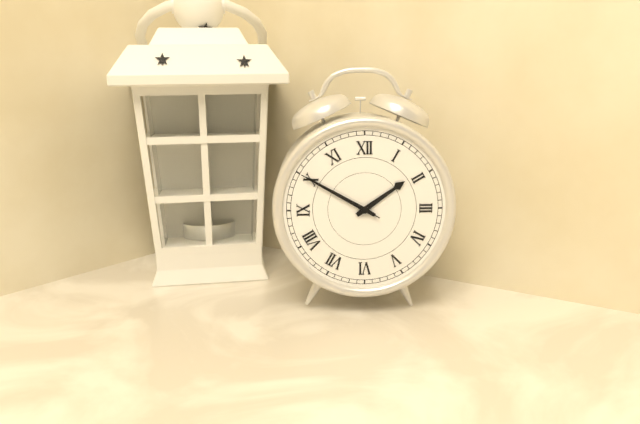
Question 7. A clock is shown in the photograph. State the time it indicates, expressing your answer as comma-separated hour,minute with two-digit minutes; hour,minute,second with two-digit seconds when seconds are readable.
1,50,50
